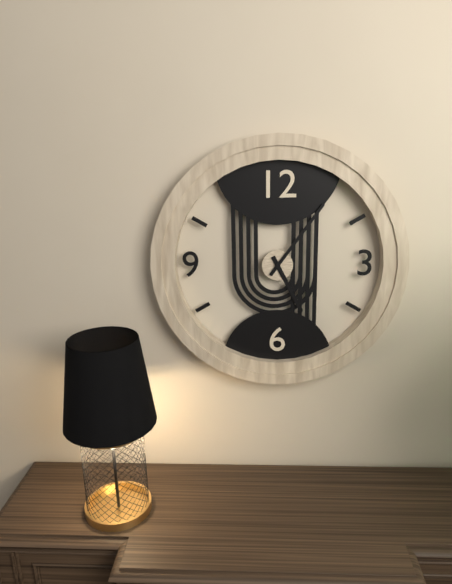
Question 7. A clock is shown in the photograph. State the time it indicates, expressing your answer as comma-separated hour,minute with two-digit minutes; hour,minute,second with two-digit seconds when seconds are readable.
5,06
